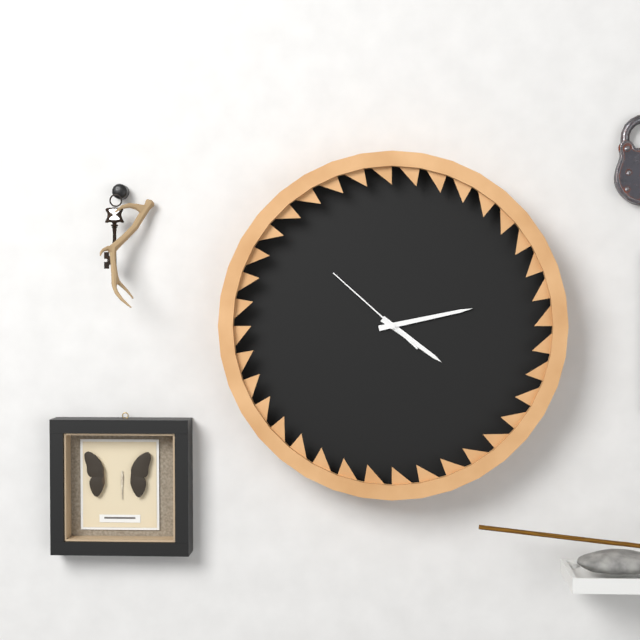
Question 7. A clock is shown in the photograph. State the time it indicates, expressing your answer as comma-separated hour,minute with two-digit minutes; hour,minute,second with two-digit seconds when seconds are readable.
4,13,52
